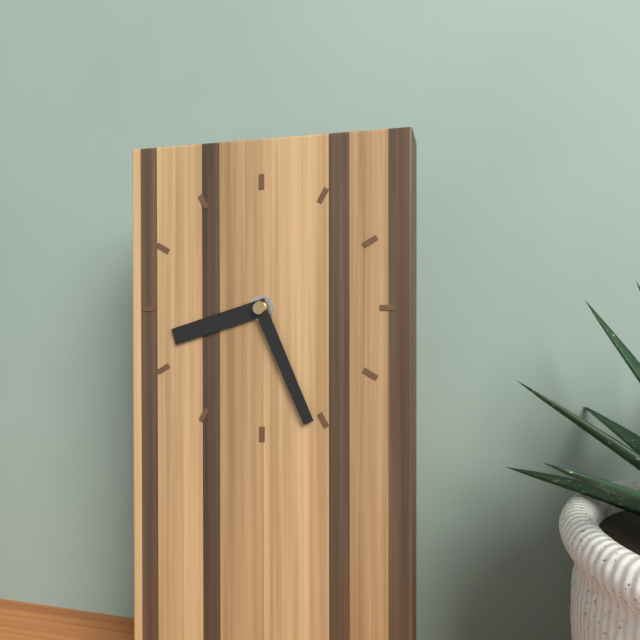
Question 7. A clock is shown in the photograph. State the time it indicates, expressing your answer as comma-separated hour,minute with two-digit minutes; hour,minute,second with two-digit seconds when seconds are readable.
8,26
